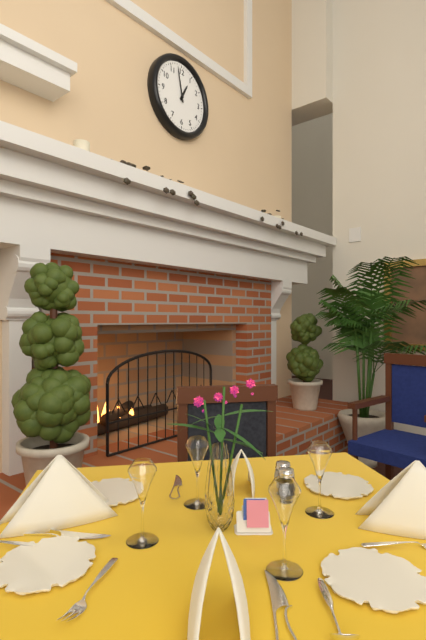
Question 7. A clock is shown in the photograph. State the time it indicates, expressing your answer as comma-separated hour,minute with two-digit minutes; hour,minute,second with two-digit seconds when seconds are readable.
12,58
